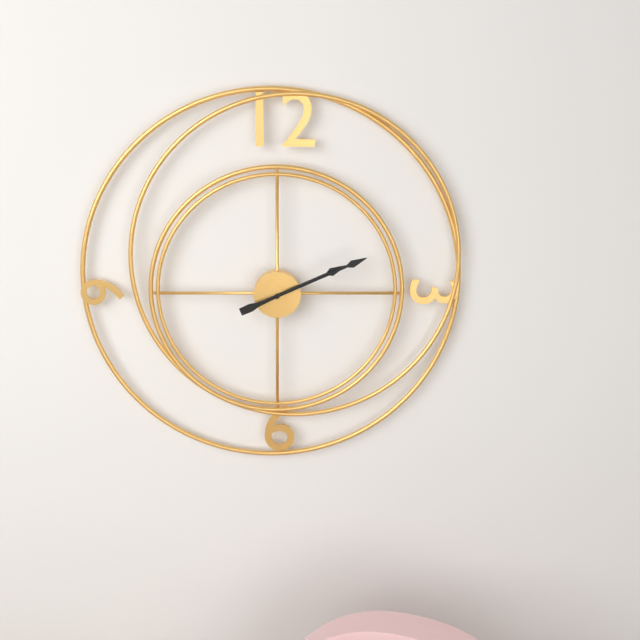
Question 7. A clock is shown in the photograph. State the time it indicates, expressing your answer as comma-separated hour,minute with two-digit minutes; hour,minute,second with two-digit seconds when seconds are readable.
2,11
